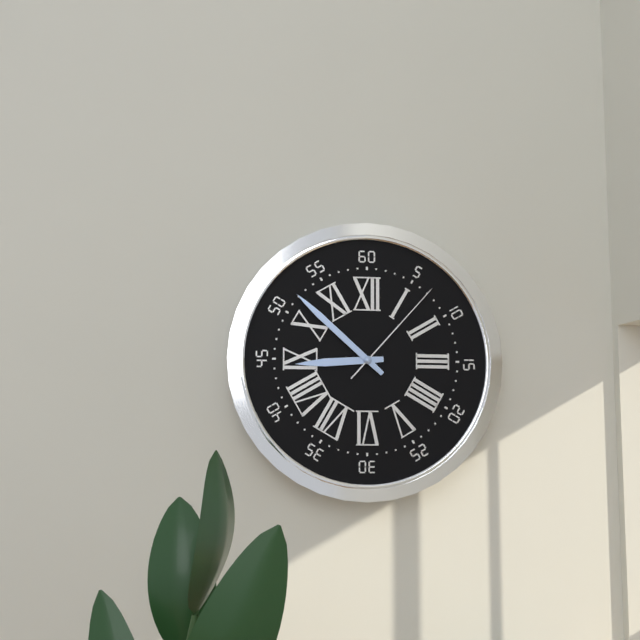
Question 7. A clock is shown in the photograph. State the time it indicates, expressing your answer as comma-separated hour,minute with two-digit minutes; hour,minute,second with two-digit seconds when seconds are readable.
8,52,07
